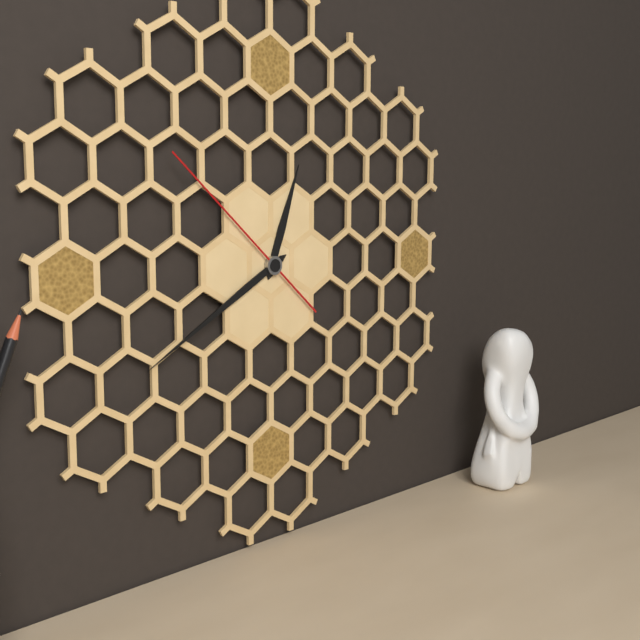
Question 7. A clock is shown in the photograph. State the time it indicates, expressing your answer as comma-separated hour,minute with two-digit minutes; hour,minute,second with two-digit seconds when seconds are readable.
12,40,52
